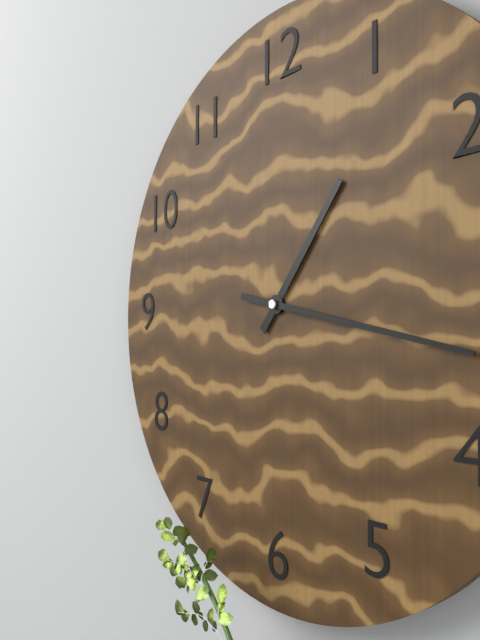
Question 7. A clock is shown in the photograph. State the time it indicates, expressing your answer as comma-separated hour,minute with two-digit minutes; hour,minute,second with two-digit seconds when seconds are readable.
1,17
